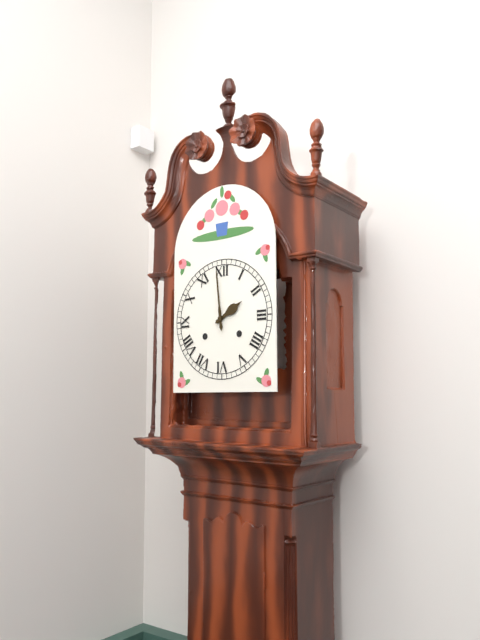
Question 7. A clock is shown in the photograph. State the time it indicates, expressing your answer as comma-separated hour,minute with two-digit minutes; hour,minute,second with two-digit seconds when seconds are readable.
1,59
